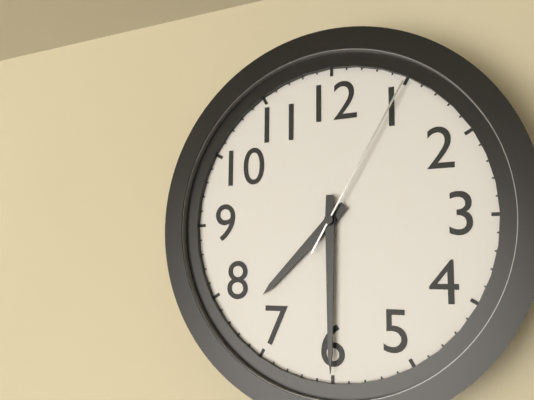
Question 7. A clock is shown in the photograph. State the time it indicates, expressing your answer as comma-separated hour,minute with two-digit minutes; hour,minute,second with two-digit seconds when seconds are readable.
7,30,05
